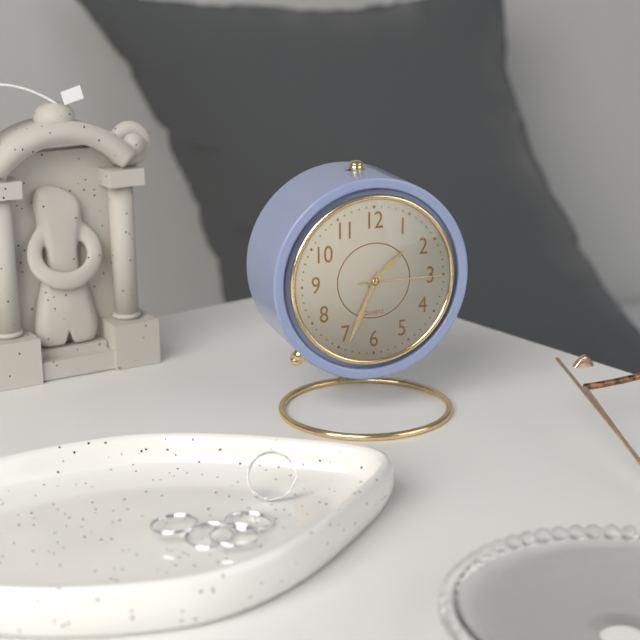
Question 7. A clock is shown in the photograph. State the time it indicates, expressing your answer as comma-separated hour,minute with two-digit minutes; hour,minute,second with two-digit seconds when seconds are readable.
1,34,15
